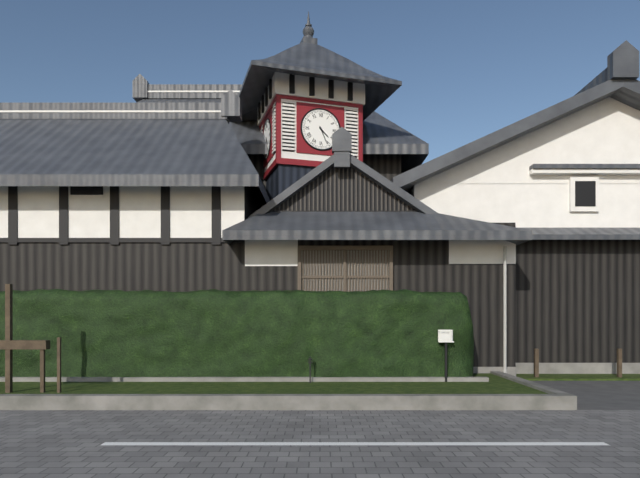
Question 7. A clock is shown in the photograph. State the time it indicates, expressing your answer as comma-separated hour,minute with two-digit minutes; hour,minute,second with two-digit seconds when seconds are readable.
4,26
